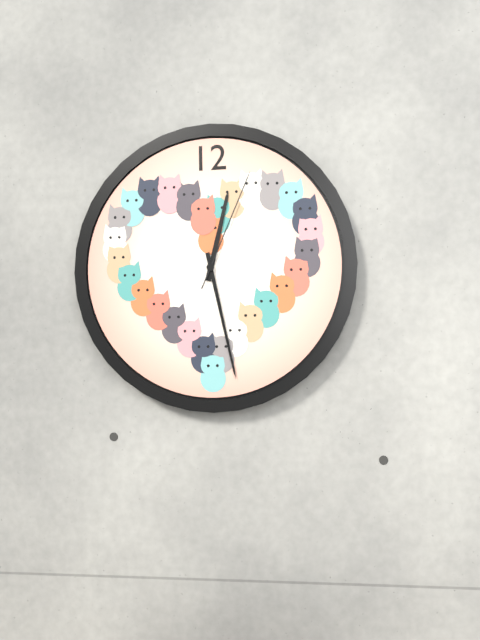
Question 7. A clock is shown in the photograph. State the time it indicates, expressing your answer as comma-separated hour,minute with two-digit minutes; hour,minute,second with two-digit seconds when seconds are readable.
12,28,04
